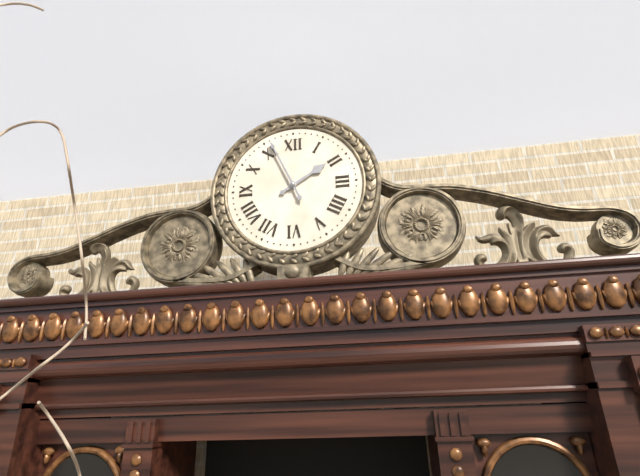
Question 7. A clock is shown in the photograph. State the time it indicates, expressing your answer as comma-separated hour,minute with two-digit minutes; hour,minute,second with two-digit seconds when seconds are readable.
1,56
